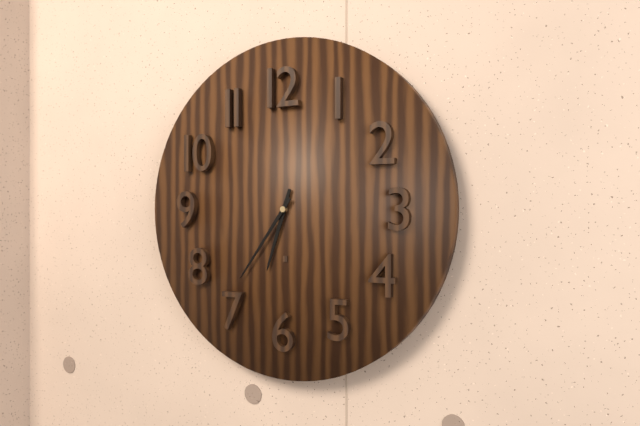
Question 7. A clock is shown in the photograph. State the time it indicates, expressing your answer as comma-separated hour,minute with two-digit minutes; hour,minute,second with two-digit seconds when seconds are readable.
6,36
